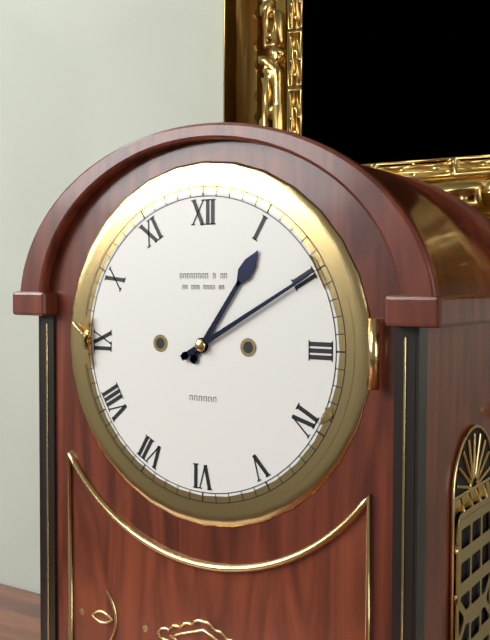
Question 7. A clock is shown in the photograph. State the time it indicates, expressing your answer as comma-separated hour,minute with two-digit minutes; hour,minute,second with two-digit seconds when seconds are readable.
1,10
